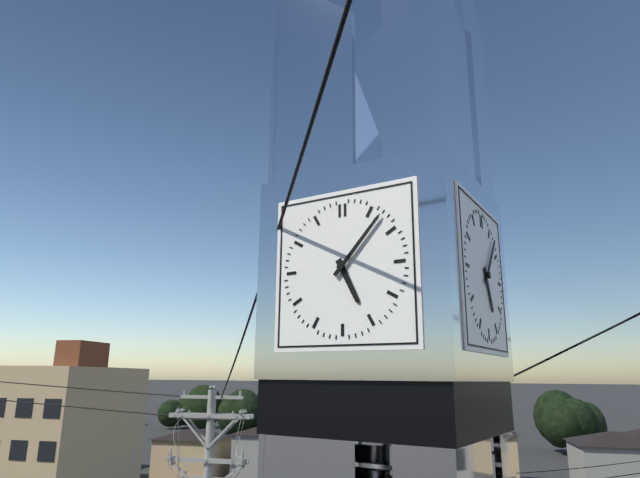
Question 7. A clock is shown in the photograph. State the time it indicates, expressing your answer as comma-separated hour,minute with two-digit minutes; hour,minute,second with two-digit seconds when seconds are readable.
5,07
